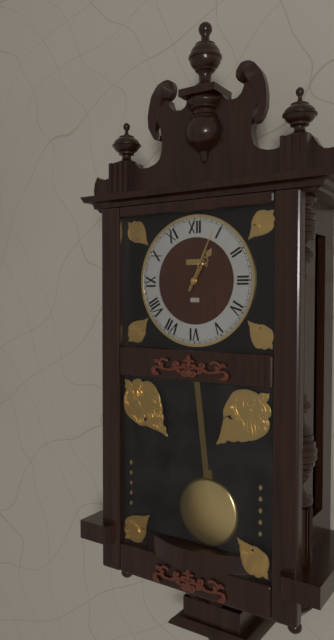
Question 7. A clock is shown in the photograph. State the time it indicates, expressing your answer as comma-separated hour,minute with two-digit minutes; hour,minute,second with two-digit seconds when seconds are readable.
1,04
